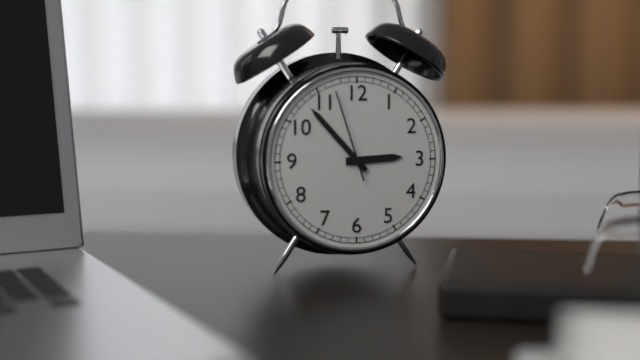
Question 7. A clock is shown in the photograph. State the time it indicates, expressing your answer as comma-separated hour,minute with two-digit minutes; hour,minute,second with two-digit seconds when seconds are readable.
2,53,57
